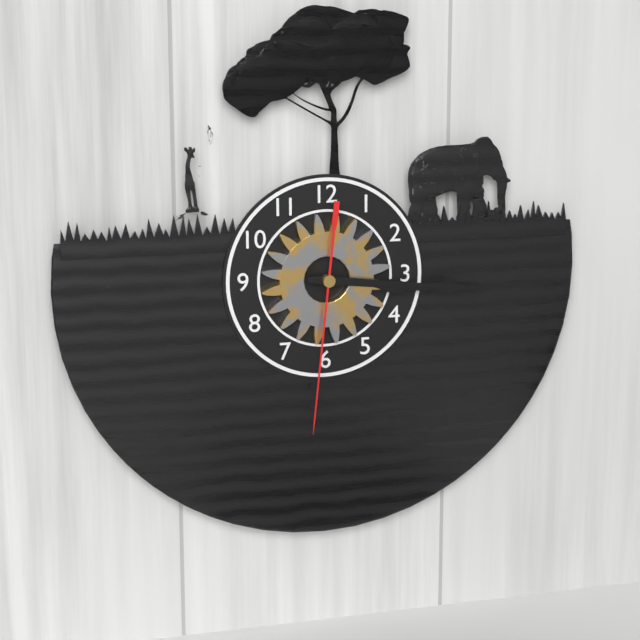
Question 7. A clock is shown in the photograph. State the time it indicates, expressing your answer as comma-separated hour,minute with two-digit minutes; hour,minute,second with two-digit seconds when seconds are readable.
3,16,31
